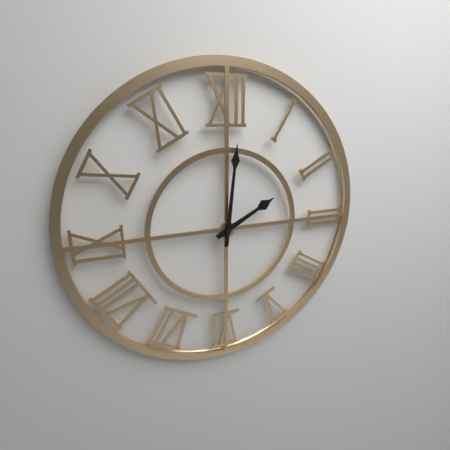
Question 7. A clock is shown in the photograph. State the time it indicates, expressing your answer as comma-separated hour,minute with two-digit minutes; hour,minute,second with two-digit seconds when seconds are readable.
2,01
